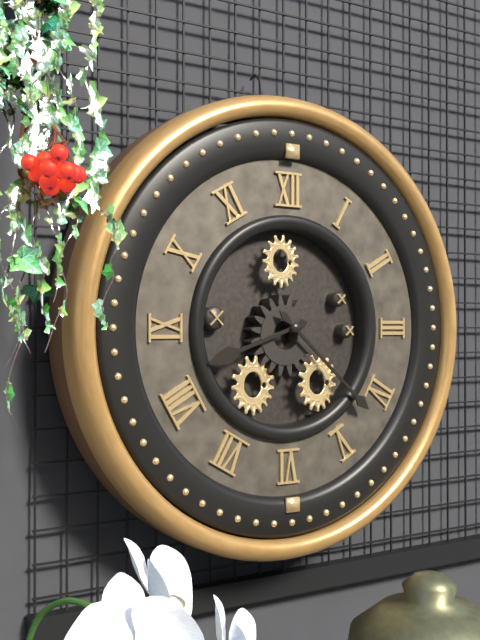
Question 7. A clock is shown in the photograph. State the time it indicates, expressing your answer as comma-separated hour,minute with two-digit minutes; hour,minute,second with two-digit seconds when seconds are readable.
8,22
